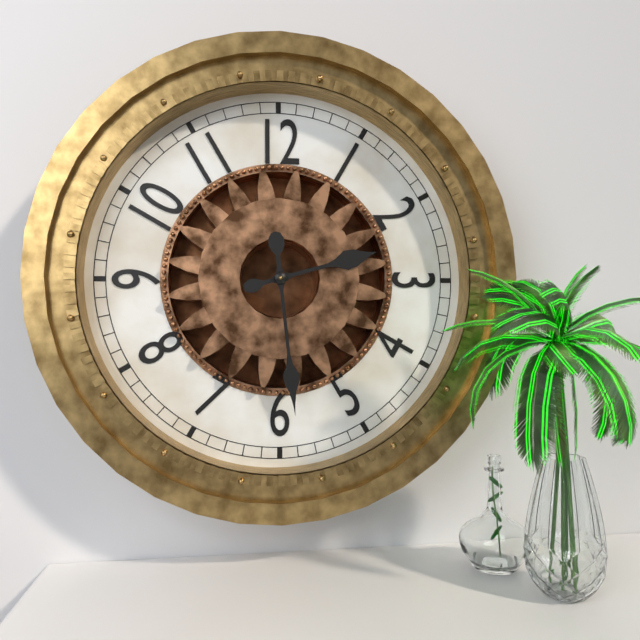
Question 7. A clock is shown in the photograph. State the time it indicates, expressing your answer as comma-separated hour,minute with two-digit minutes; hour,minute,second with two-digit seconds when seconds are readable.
2,29
